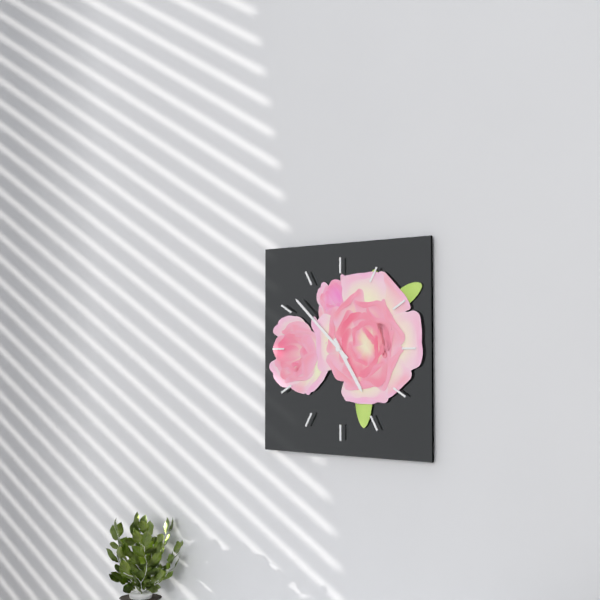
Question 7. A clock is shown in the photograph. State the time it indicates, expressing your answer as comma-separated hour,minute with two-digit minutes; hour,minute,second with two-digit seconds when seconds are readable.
4,52
